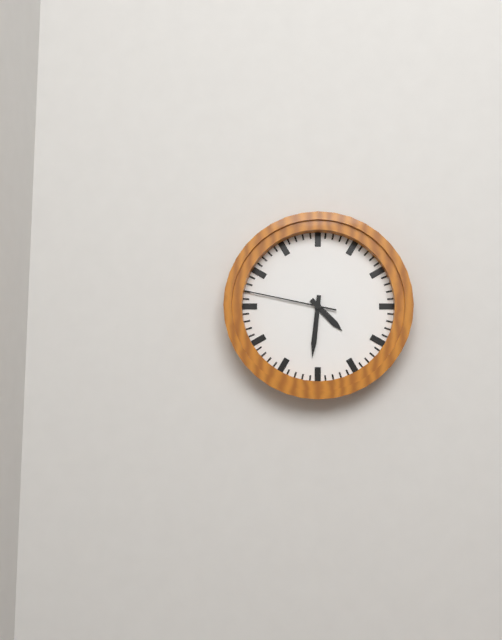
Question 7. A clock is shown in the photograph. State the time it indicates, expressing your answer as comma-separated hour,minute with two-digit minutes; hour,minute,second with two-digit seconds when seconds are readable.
4,31,47
